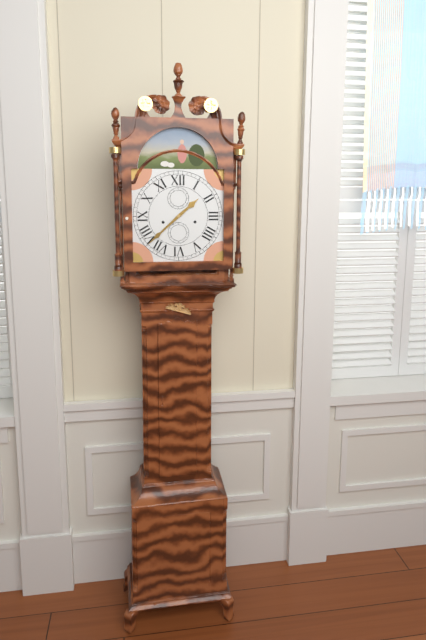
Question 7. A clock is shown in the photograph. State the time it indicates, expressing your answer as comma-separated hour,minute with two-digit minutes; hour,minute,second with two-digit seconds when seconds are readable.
1,38
